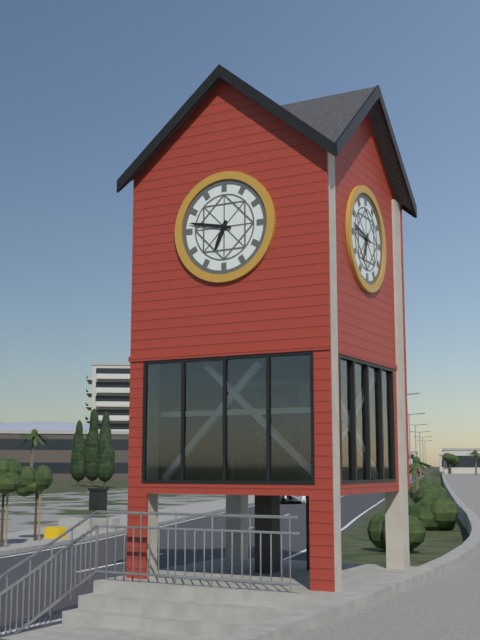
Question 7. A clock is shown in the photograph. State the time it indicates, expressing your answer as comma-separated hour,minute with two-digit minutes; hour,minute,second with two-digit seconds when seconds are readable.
6,47
